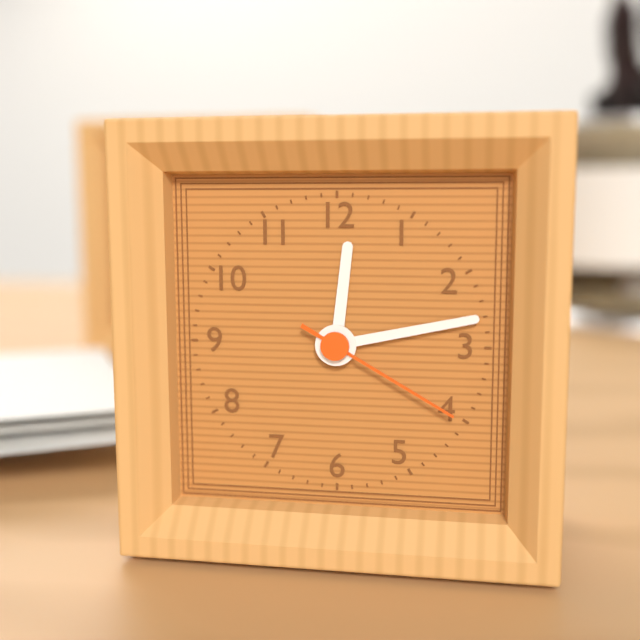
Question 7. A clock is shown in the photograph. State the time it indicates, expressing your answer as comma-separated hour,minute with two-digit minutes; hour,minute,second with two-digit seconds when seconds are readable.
12,13,20
